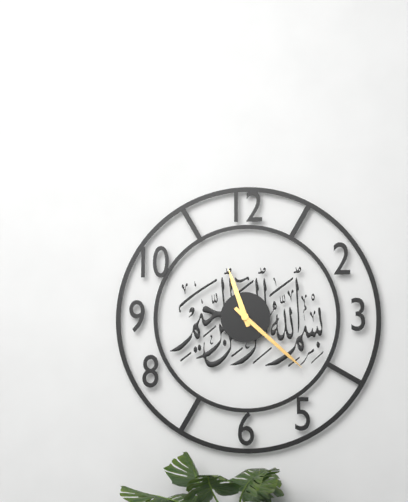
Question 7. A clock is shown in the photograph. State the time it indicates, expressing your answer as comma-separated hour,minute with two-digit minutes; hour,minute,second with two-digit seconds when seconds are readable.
11,22
